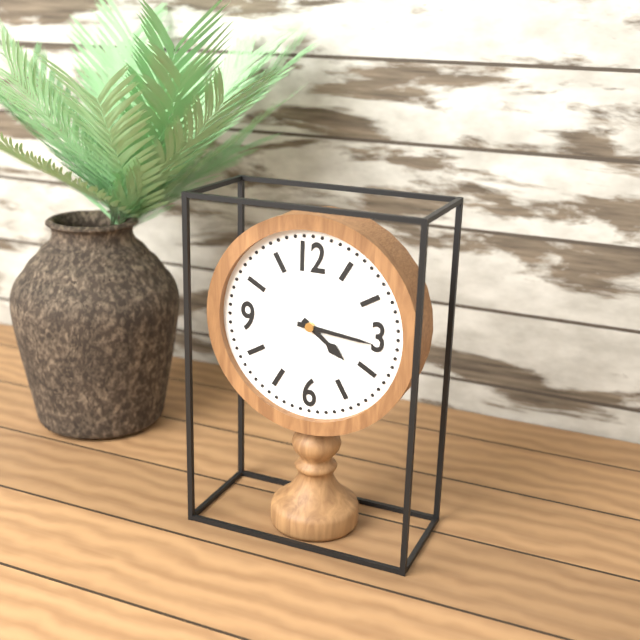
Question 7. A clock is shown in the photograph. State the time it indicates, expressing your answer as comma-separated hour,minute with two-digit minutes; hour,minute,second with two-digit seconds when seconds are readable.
4,16
